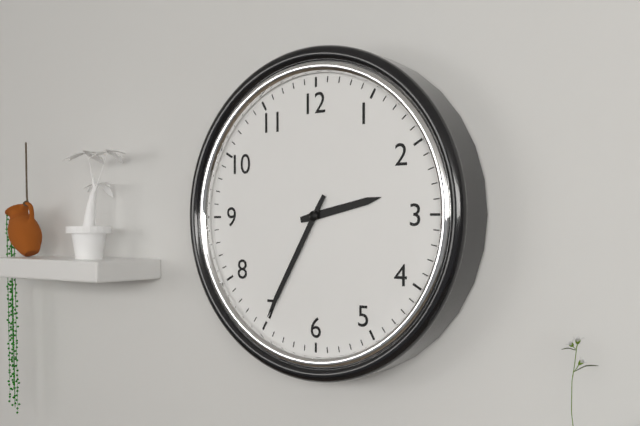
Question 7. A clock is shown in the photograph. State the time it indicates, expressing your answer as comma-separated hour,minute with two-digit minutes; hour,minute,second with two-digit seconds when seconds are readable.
2,35
